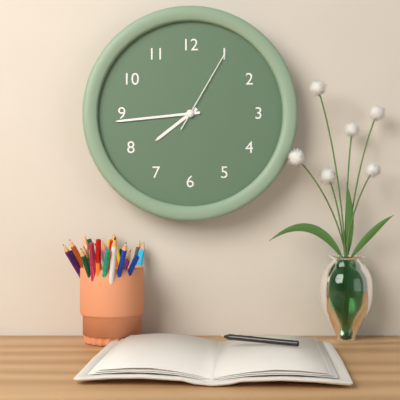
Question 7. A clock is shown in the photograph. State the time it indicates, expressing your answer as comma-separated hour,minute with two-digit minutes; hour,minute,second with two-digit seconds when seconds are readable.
7,44,05
